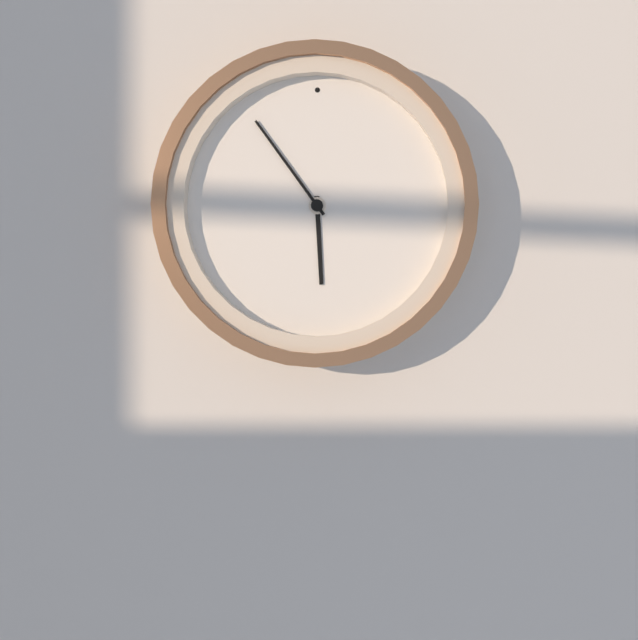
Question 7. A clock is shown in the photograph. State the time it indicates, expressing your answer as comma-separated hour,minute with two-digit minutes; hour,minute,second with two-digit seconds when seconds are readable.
5,54
